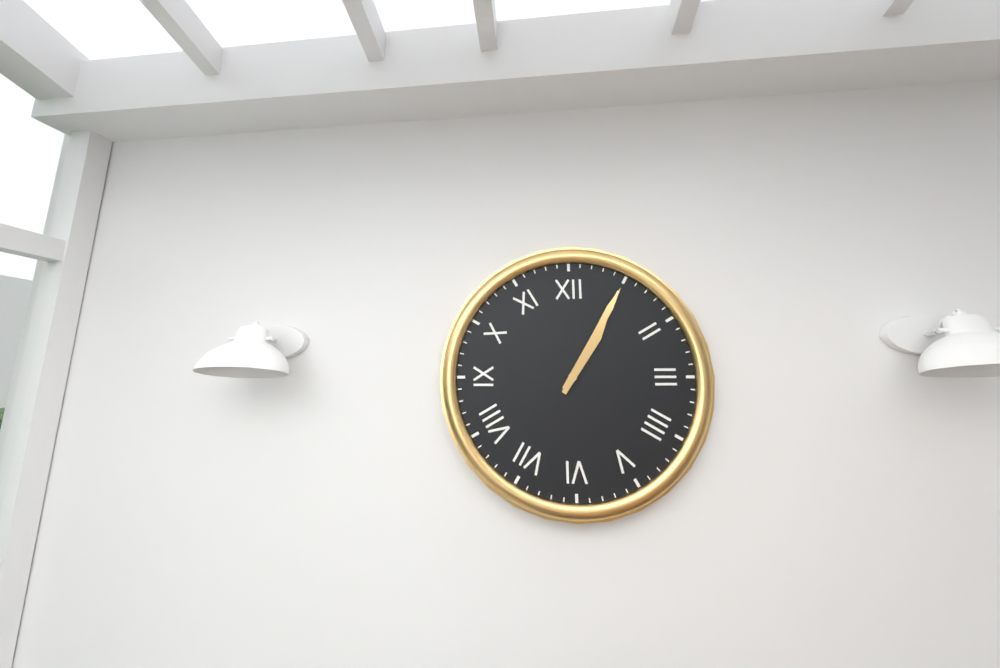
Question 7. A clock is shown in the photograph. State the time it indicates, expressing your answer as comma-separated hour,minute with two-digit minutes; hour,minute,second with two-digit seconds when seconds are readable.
1,05
